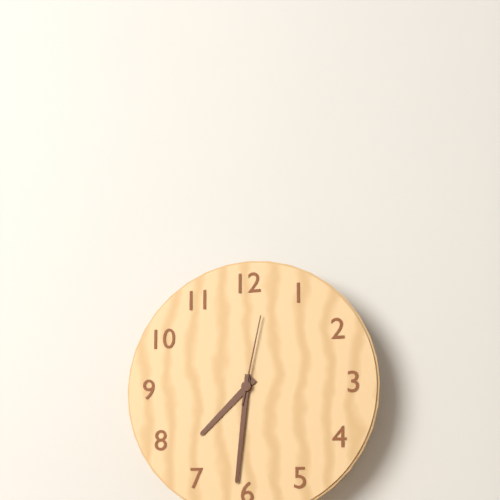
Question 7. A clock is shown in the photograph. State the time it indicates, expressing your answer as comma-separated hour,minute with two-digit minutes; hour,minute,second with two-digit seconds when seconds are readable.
7,31,02
